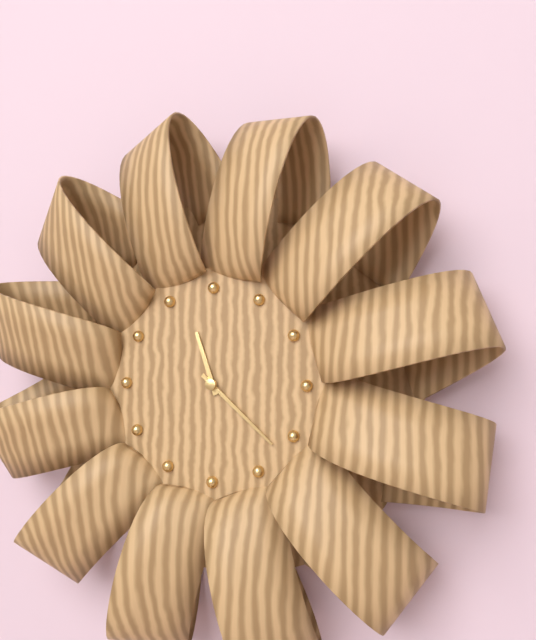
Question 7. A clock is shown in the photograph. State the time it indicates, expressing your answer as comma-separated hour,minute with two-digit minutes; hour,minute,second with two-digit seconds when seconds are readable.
11,22
